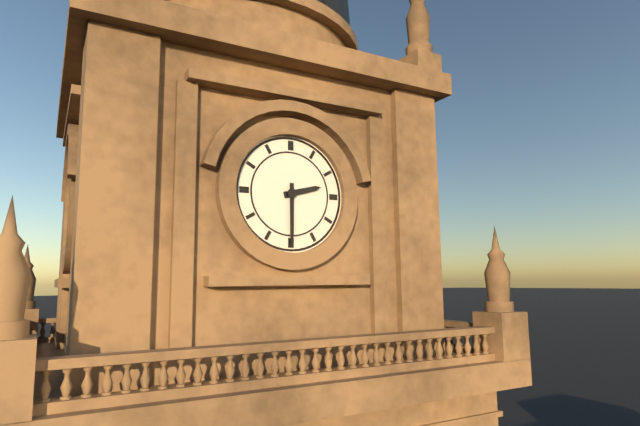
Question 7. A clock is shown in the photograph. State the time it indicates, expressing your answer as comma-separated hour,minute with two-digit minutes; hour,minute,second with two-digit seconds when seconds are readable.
2,30
